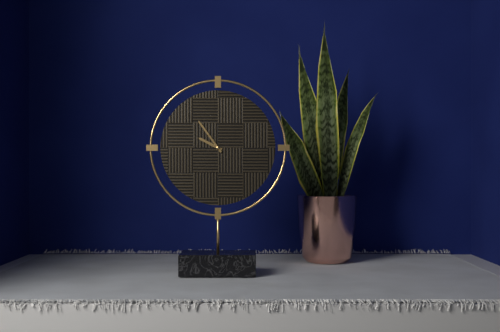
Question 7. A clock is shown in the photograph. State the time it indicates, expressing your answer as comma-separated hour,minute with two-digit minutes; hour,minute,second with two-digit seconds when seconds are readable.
9,54
